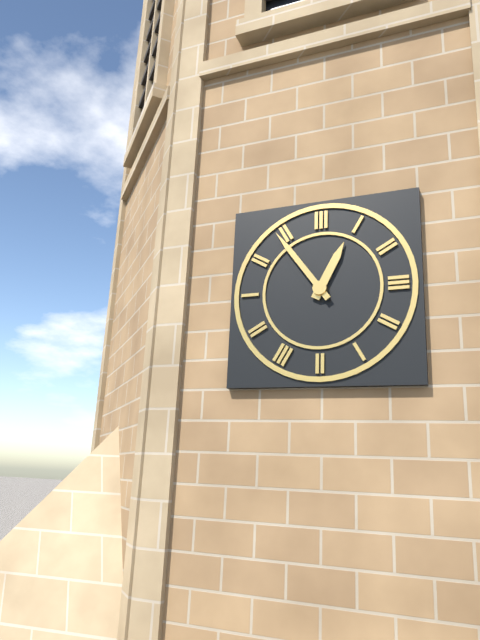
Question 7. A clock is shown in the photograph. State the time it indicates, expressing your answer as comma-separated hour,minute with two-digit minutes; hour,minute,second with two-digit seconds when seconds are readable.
12,54
